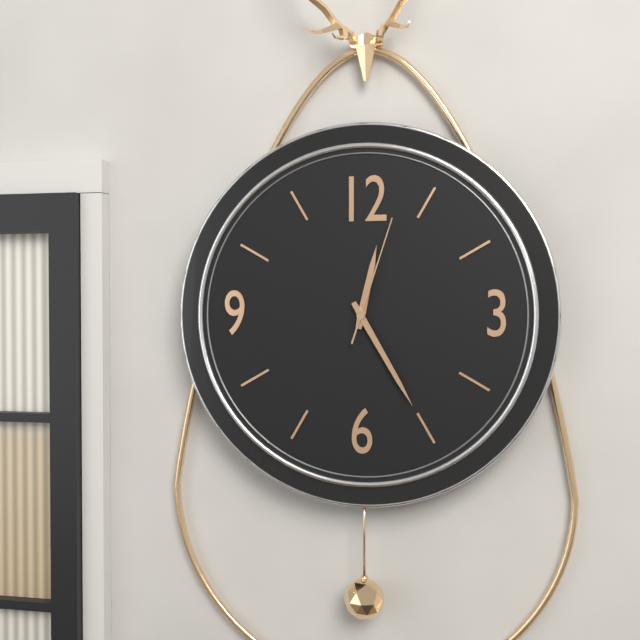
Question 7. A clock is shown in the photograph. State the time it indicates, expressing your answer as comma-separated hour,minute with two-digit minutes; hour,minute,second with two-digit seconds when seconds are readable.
12,25,03
